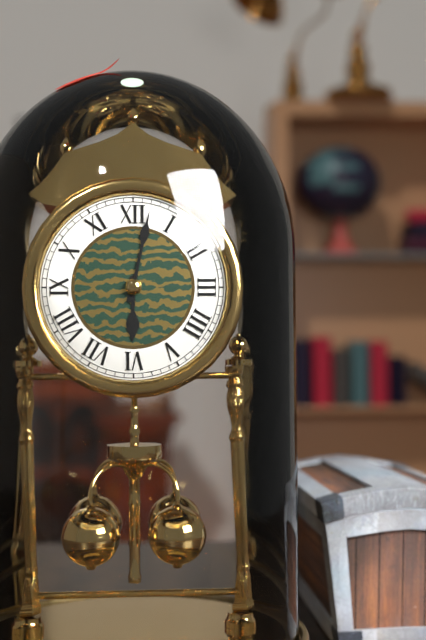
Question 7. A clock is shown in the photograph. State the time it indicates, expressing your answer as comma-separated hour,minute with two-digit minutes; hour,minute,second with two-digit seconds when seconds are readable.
6,02
